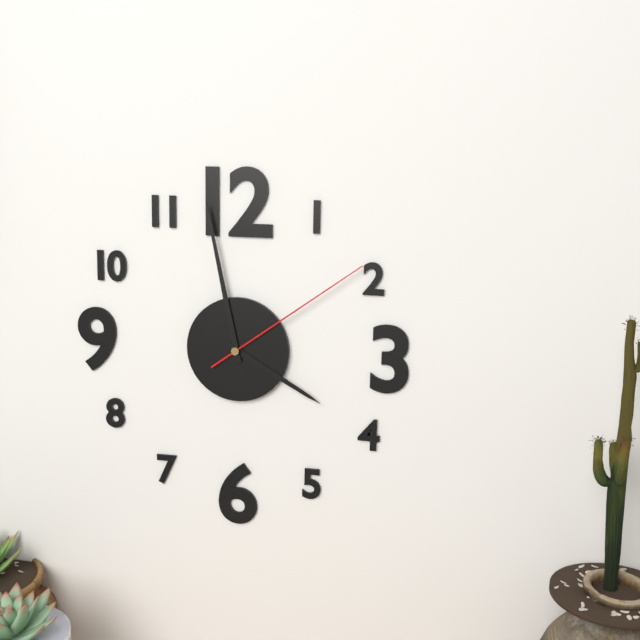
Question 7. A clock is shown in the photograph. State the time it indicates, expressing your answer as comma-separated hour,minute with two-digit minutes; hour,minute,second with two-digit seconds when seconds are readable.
3,58,09
